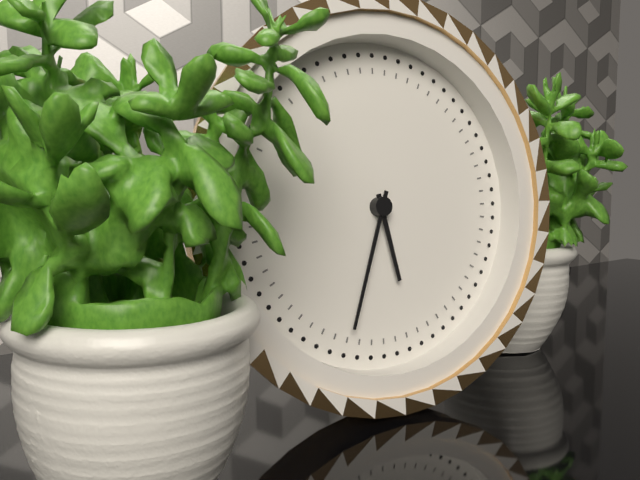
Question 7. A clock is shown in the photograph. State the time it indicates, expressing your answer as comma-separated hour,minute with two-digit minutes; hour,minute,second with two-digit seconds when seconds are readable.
5,33
